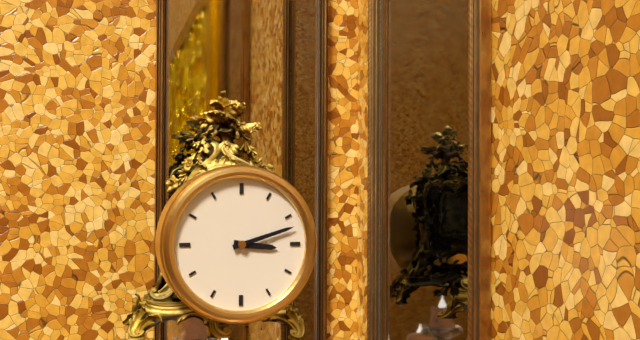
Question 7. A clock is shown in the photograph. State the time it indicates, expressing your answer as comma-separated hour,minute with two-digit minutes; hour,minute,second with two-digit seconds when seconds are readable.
3,12
